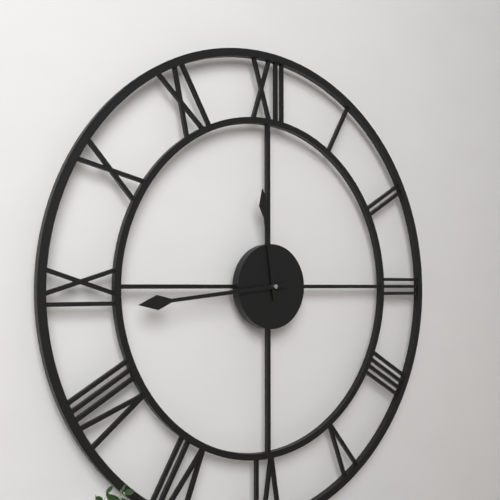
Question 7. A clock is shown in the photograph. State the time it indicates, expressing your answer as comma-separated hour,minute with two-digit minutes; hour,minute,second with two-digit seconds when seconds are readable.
11,44
